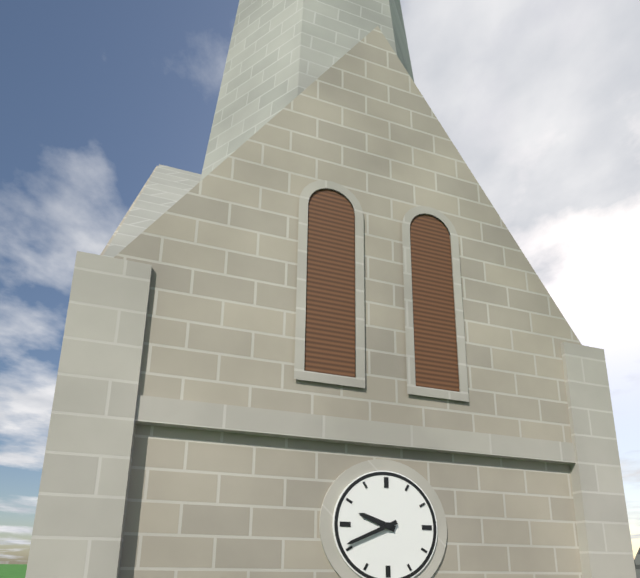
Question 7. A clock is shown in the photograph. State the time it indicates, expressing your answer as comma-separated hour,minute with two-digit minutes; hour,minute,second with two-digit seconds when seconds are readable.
9,41
